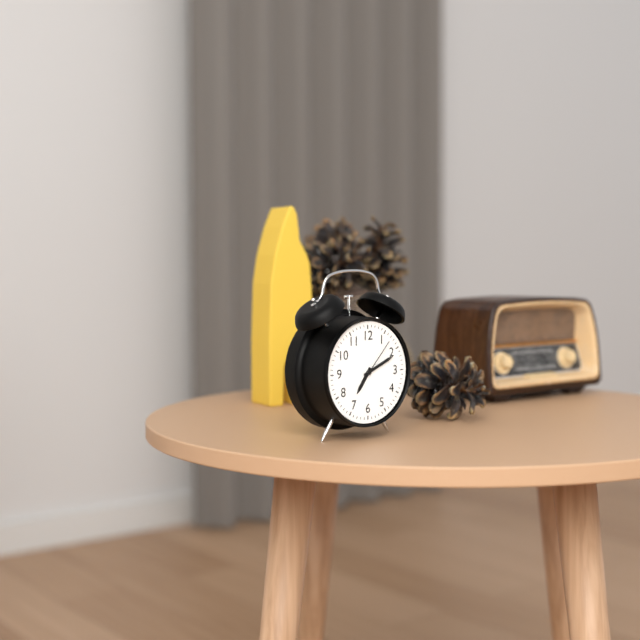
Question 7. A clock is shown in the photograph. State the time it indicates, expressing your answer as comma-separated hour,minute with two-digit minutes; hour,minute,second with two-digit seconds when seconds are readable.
7,11
